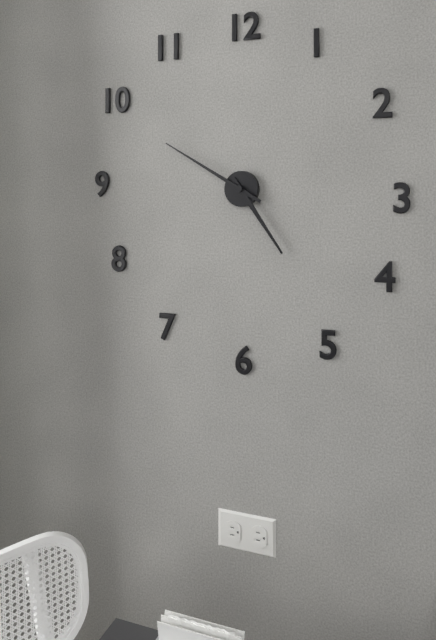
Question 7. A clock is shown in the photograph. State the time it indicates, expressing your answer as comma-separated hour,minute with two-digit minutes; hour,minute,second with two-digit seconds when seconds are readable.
4,50
